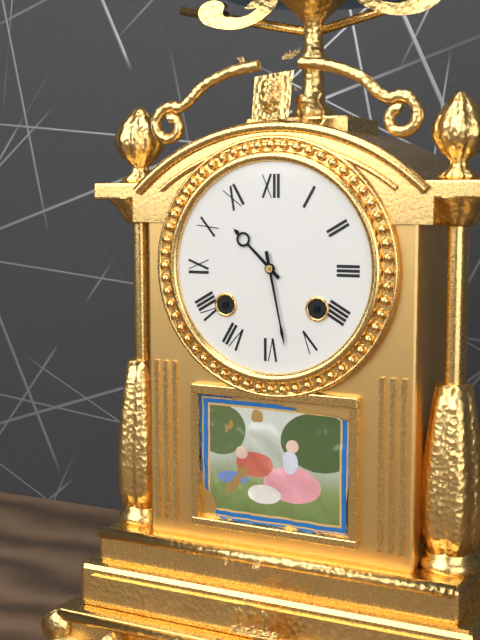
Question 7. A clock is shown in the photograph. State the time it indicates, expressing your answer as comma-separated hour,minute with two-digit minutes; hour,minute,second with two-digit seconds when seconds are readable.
10,28
